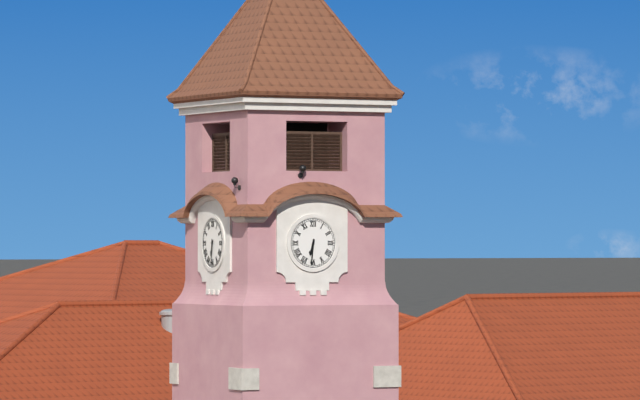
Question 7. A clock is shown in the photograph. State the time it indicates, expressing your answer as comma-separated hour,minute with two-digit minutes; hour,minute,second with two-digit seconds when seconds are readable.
6,31
